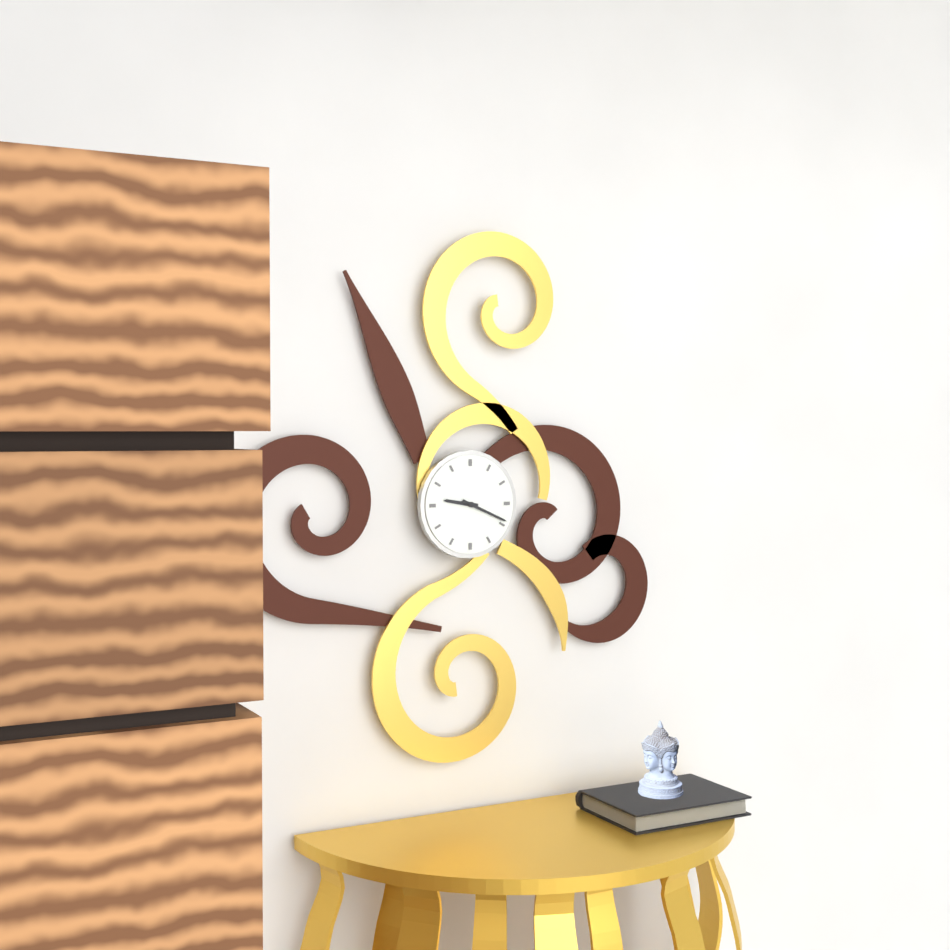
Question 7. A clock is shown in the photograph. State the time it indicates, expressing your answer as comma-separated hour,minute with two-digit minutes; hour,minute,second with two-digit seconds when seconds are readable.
9,19
